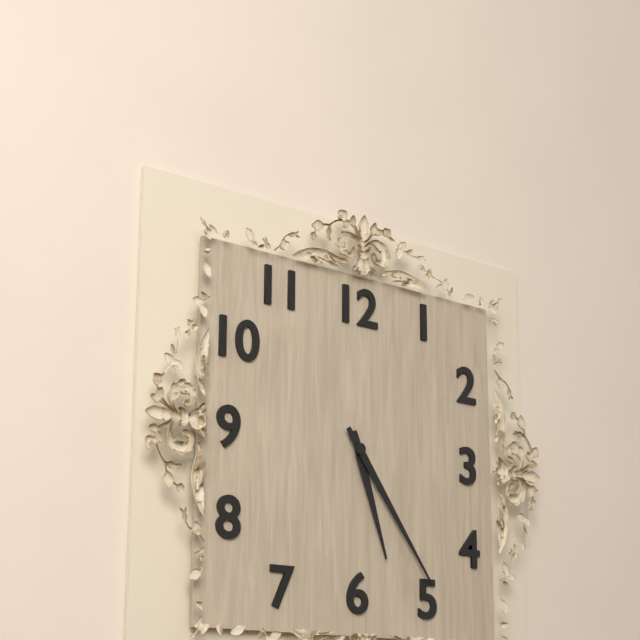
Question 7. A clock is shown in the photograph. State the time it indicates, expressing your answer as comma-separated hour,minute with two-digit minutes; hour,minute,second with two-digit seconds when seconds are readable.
5,24
